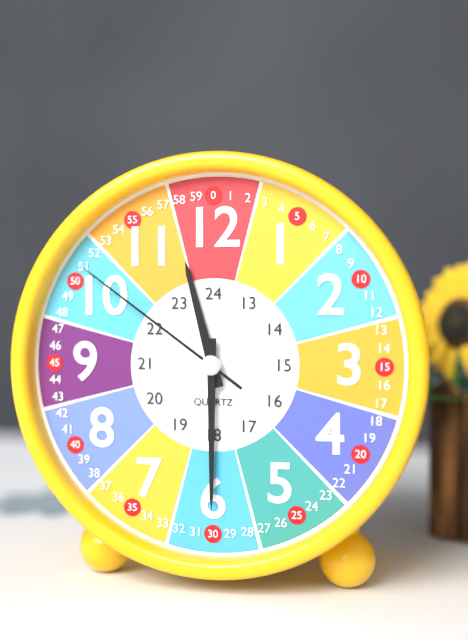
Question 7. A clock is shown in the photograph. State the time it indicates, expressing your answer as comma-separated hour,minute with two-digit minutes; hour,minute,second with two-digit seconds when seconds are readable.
11,30,51
